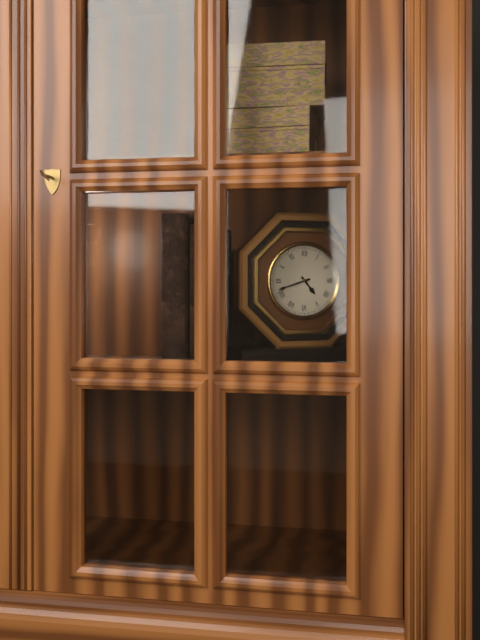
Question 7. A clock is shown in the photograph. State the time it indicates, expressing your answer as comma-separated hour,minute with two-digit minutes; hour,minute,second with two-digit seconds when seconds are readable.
4,42
